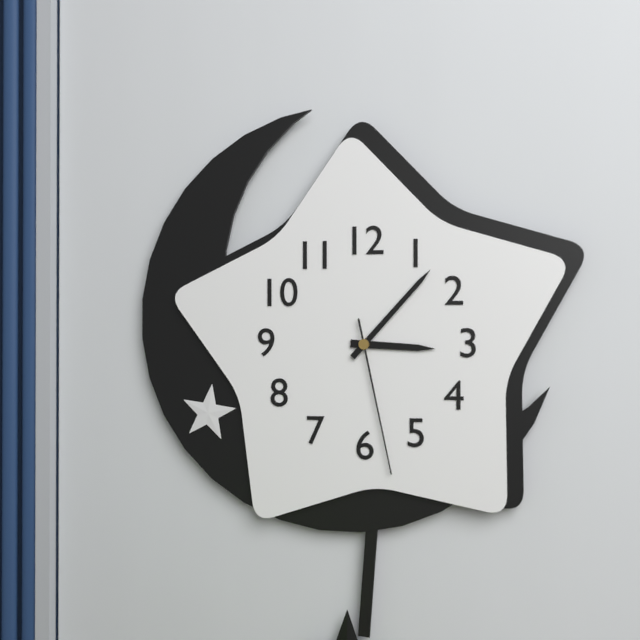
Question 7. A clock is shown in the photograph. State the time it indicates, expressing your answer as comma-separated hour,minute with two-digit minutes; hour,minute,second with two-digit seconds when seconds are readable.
3,07,28
